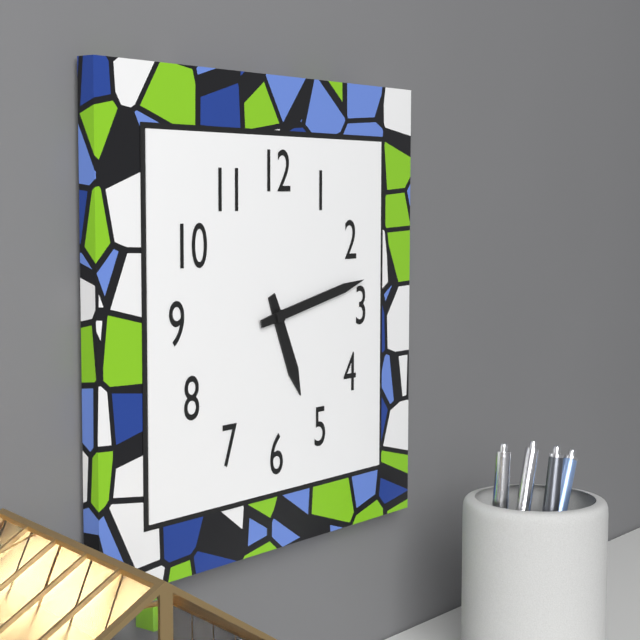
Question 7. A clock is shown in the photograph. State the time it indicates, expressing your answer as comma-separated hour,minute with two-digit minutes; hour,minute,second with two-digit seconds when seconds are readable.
5,13
